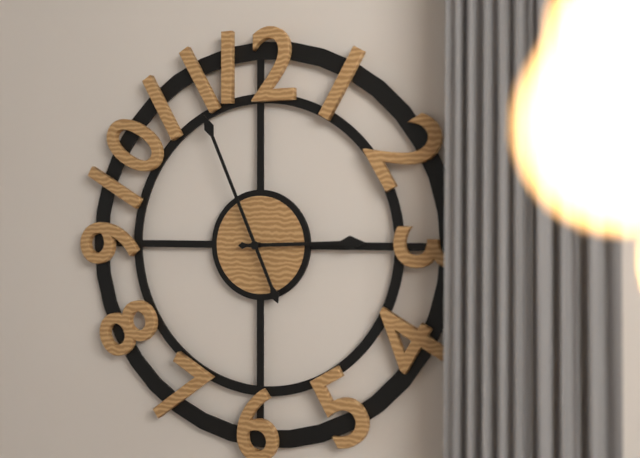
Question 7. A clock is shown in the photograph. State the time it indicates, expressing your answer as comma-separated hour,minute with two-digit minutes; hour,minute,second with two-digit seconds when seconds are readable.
2,56
